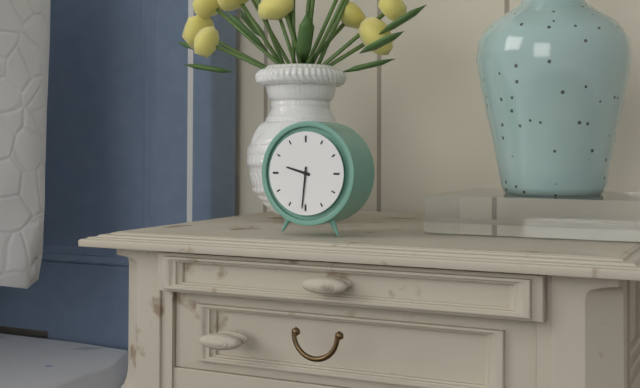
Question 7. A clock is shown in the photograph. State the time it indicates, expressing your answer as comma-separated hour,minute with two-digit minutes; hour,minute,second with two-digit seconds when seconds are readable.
9,31
